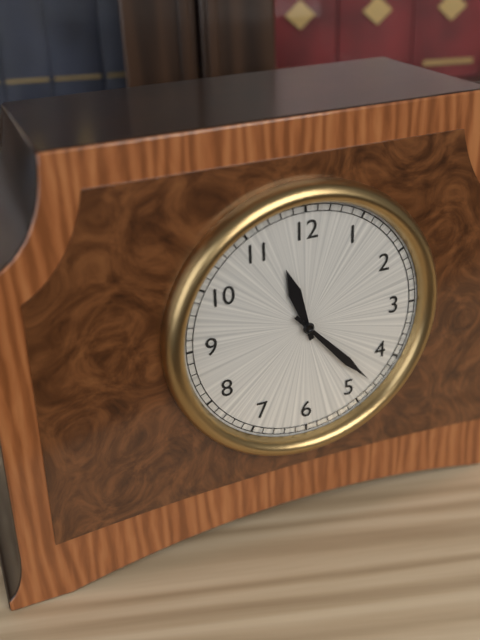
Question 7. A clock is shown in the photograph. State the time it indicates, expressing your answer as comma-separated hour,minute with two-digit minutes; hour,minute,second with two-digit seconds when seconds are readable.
11,23
